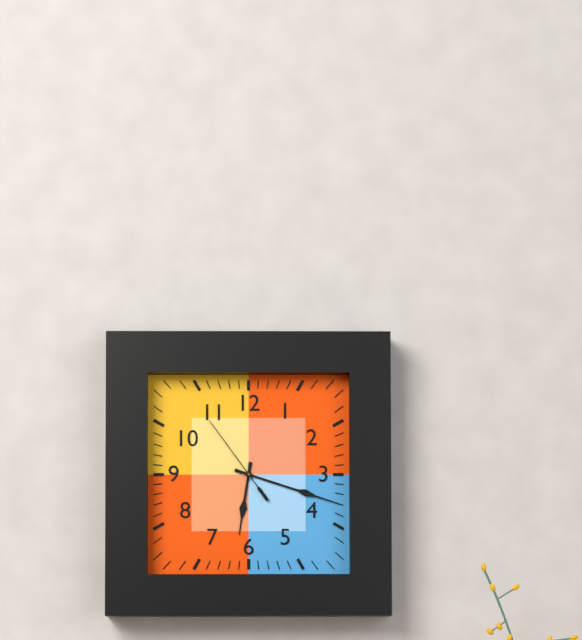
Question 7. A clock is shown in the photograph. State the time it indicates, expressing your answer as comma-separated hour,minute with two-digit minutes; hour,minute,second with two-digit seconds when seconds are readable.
6,18,54
